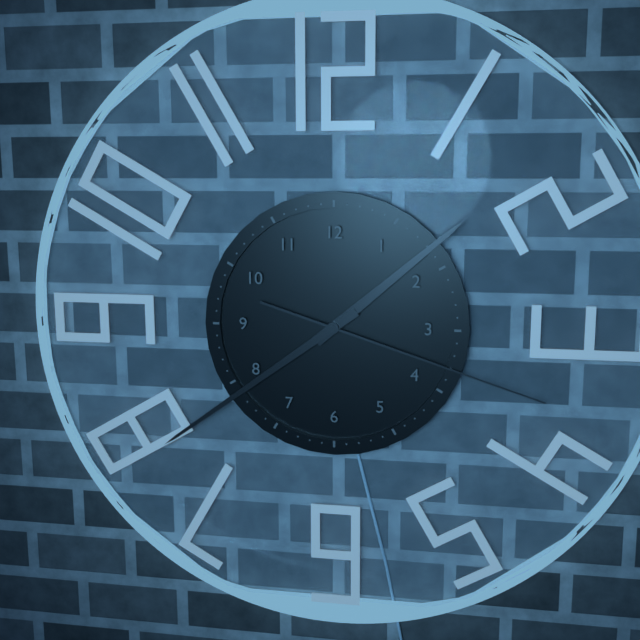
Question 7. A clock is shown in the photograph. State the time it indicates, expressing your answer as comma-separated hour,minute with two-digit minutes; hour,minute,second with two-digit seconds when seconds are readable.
1,39,18
